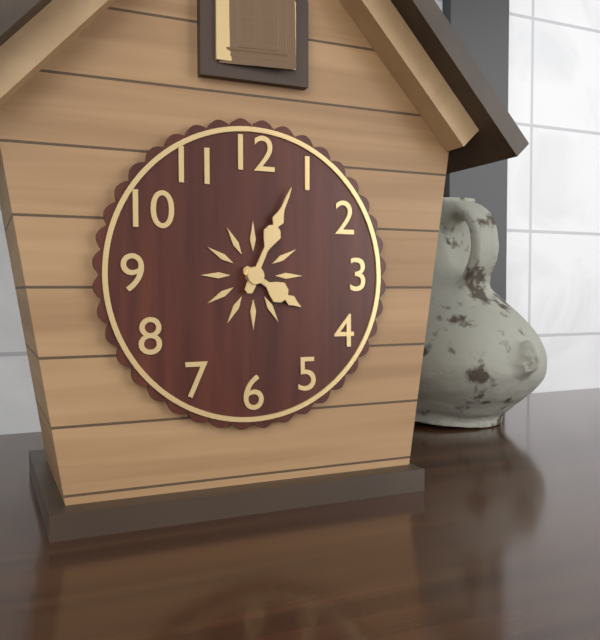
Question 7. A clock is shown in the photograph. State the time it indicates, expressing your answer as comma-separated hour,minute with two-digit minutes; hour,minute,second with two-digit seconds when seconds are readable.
4,04
